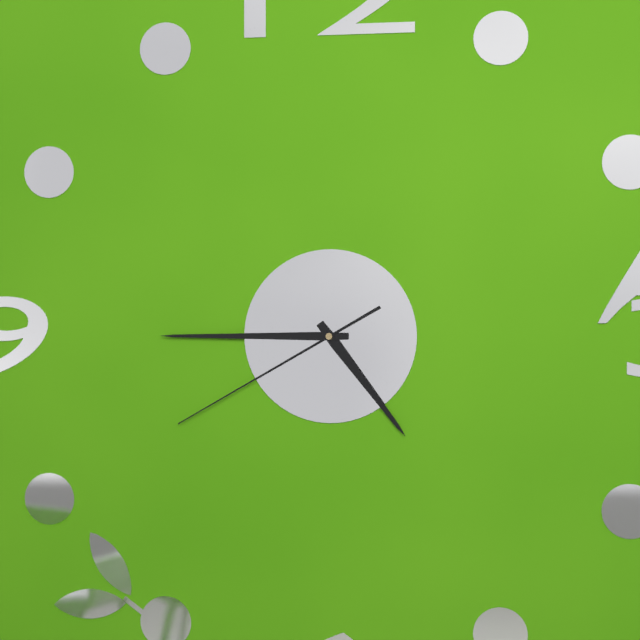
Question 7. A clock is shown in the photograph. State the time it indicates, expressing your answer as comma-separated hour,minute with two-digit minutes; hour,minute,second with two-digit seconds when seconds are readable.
4,45,40
